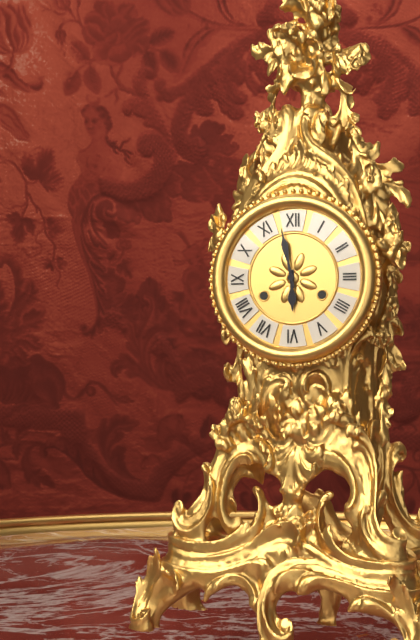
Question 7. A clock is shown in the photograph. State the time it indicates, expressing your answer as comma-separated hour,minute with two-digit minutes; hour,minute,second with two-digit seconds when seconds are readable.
5,58
